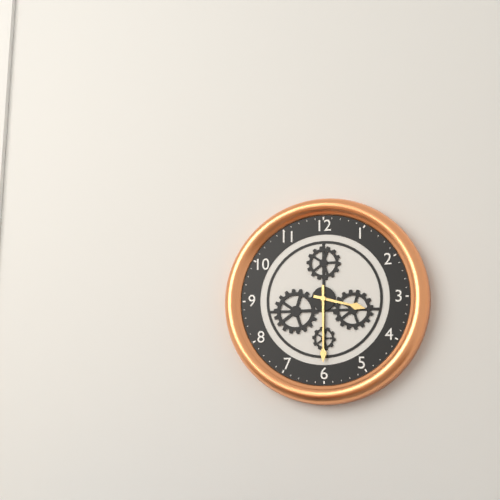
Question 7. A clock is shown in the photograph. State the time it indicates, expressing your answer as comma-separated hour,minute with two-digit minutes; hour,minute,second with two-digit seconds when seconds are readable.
3,30
